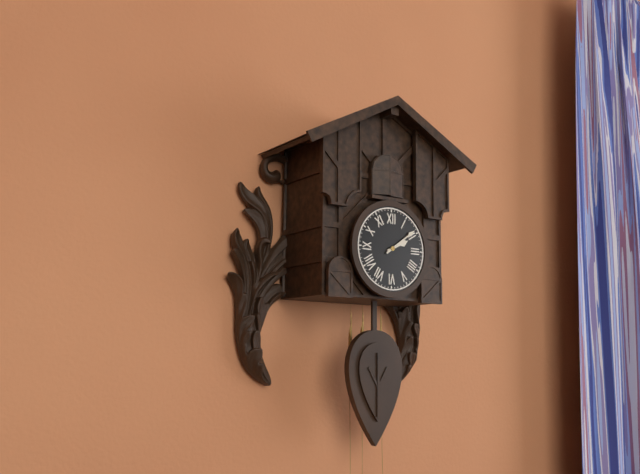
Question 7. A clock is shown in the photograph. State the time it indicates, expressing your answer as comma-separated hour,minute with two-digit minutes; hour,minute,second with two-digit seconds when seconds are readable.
2,09
